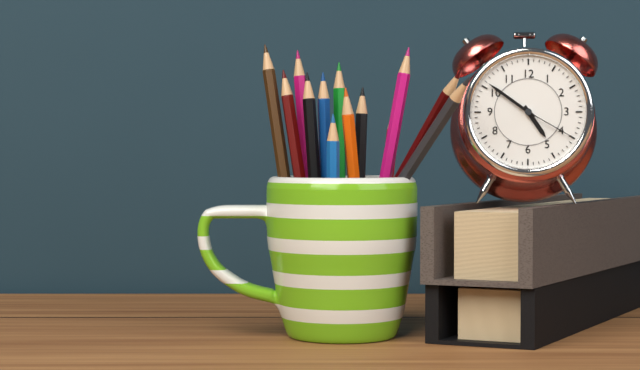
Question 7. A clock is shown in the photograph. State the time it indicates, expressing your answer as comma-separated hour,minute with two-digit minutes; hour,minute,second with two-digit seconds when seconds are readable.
4,51,20
